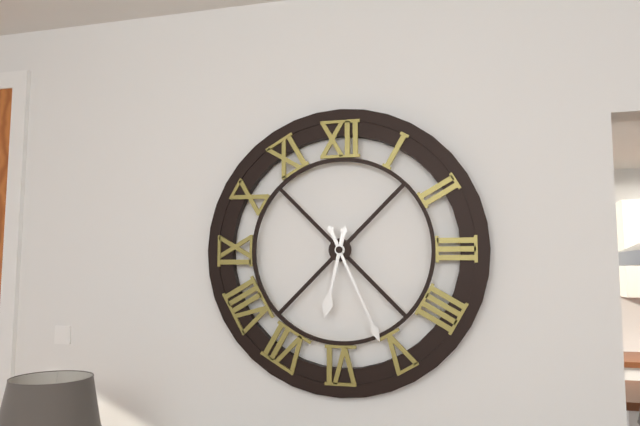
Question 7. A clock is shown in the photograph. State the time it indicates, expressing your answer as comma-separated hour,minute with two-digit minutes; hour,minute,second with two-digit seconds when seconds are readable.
6,26
